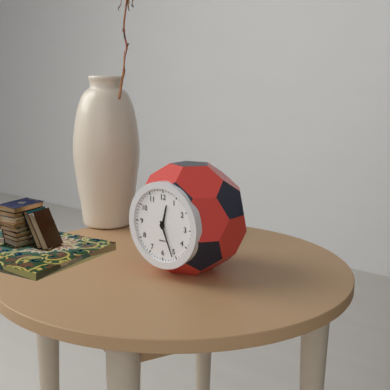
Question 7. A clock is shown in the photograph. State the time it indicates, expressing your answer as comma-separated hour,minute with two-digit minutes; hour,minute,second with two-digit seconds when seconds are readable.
12,26
